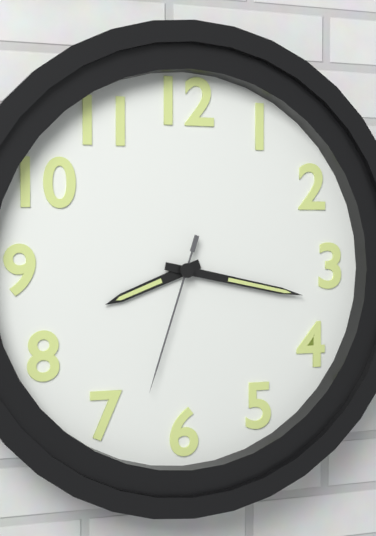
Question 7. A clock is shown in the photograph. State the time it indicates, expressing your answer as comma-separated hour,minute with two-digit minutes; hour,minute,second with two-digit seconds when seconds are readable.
8,17,33
